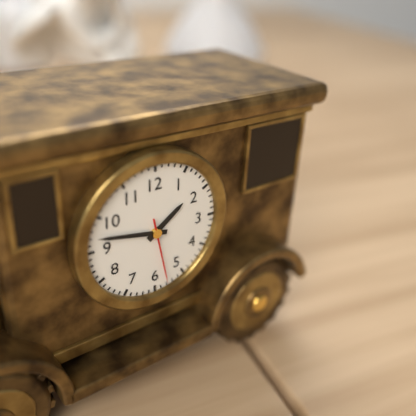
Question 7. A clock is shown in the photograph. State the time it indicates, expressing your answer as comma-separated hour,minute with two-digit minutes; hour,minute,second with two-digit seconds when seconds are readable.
1,47,28
